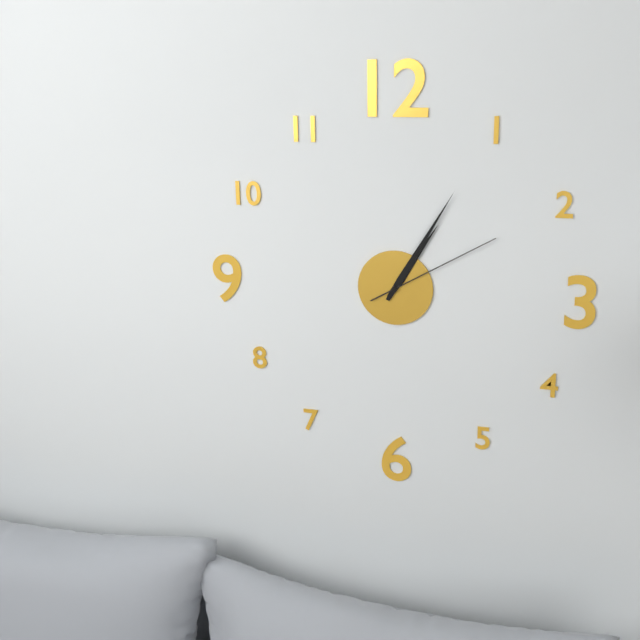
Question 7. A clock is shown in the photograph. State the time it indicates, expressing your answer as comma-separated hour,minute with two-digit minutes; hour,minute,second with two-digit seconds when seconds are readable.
1,05,10
